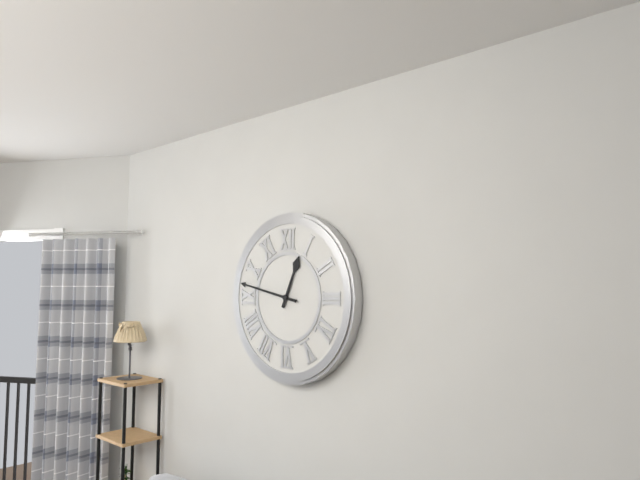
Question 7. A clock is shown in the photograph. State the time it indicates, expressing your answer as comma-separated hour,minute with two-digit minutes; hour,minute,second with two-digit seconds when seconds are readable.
12,47
